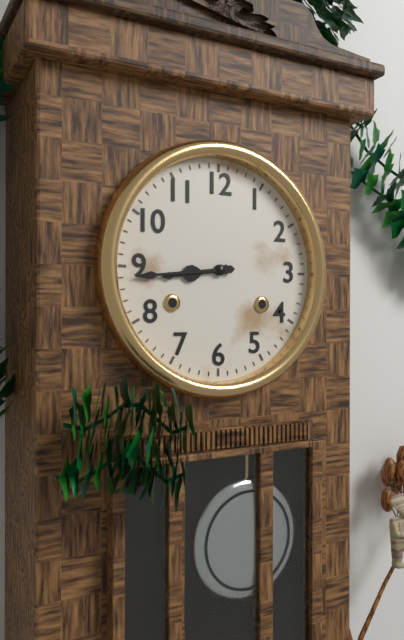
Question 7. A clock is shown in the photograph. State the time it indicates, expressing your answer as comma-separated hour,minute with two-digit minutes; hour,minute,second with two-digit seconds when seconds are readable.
8,44
